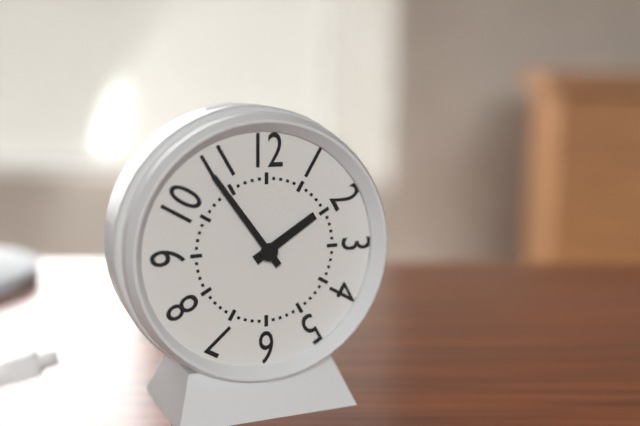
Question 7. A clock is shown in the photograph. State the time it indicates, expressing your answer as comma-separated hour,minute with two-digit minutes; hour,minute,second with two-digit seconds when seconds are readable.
1,54
